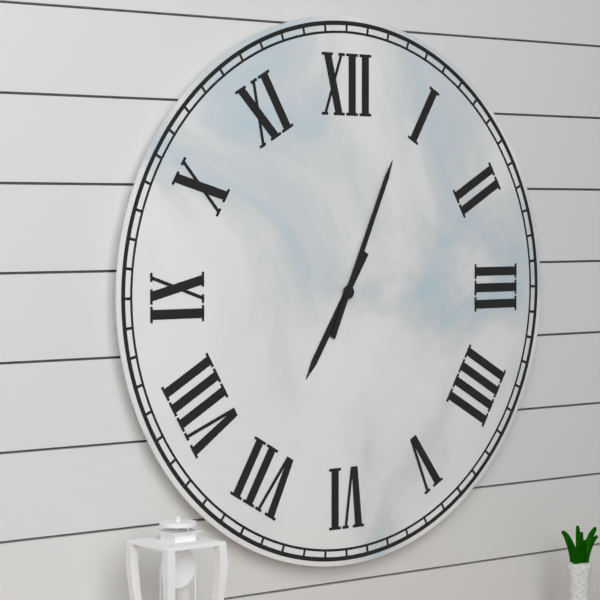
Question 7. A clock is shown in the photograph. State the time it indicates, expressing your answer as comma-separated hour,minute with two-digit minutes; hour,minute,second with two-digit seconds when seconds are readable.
7,04
